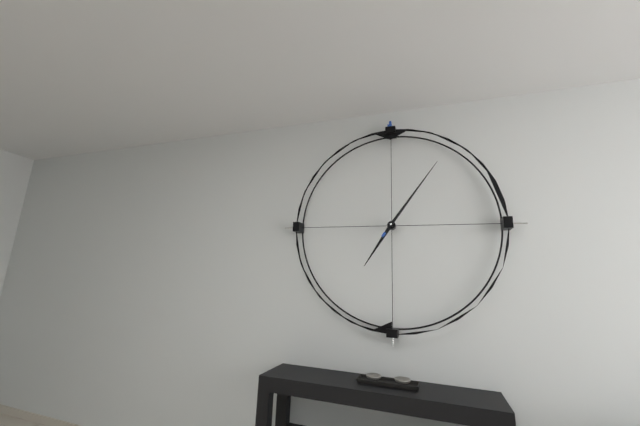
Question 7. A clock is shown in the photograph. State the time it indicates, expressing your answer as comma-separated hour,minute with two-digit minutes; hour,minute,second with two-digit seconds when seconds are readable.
7,06
